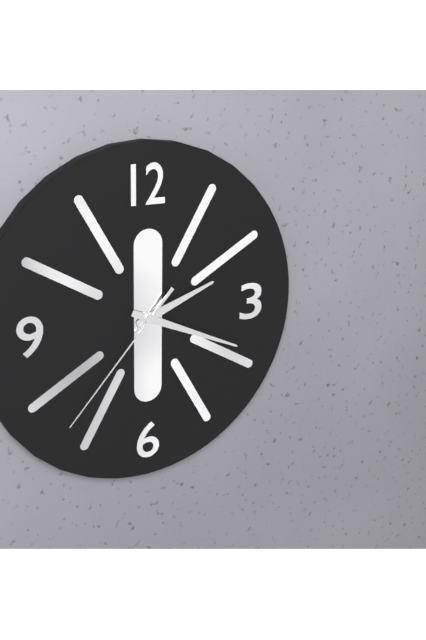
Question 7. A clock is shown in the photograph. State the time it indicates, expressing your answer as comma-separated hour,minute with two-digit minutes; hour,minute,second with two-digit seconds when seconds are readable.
2,19,37
